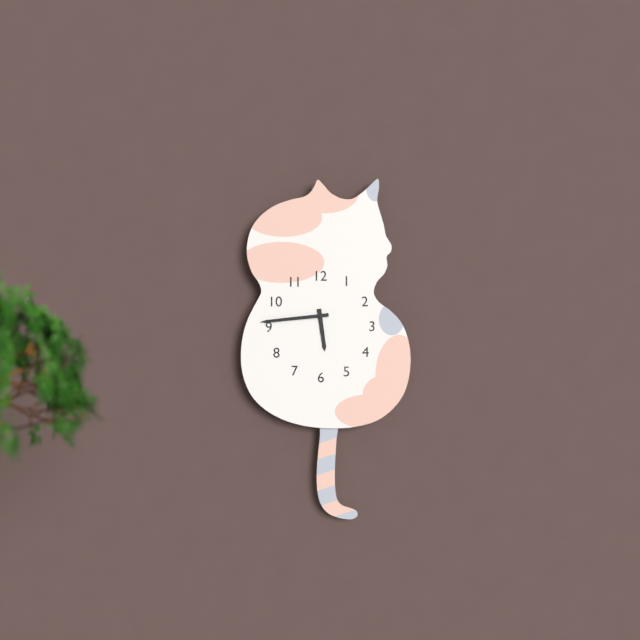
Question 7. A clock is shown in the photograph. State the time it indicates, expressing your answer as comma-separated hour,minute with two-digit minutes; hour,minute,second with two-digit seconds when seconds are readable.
5,44
